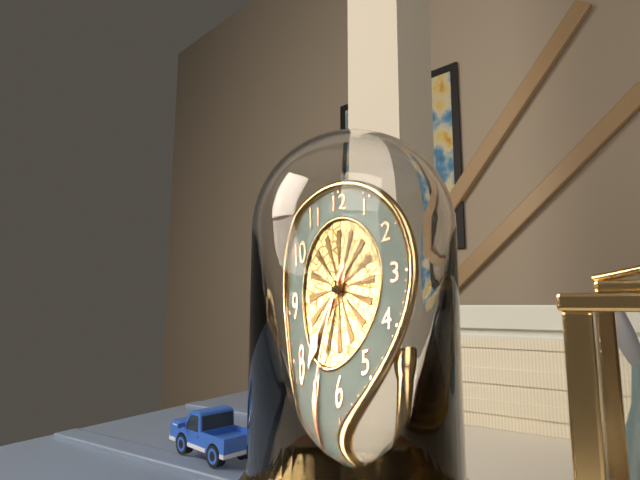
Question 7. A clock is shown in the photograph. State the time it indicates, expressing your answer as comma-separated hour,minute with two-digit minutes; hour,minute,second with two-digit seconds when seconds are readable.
7,35
